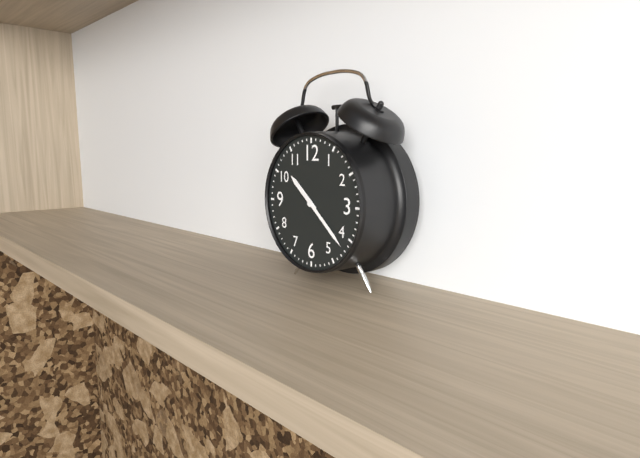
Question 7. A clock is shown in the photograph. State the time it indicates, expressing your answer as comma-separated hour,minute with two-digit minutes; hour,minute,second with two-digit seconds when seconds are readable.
10,22
